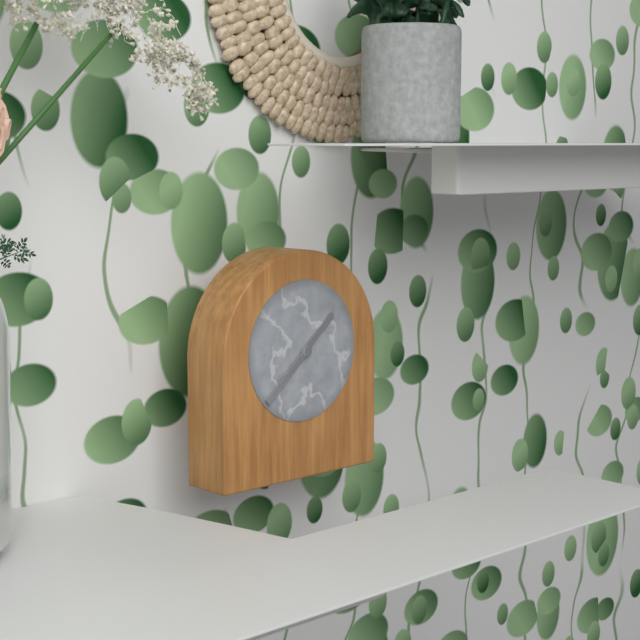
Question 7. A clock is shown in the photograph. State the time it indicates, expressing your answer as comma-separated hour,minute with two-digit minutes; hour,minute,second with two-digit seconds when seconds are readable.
1,38
